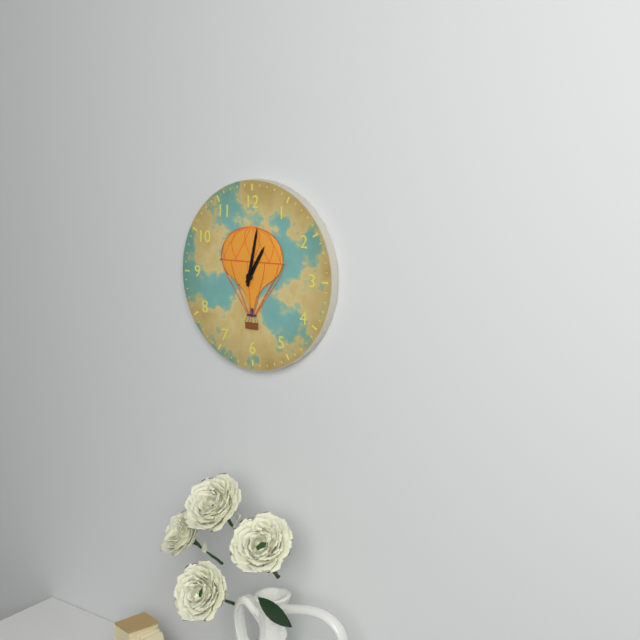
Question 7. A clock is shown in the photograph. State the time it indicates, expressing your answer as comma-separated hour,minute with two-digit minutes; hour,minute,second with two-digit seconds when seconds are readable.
1,02
